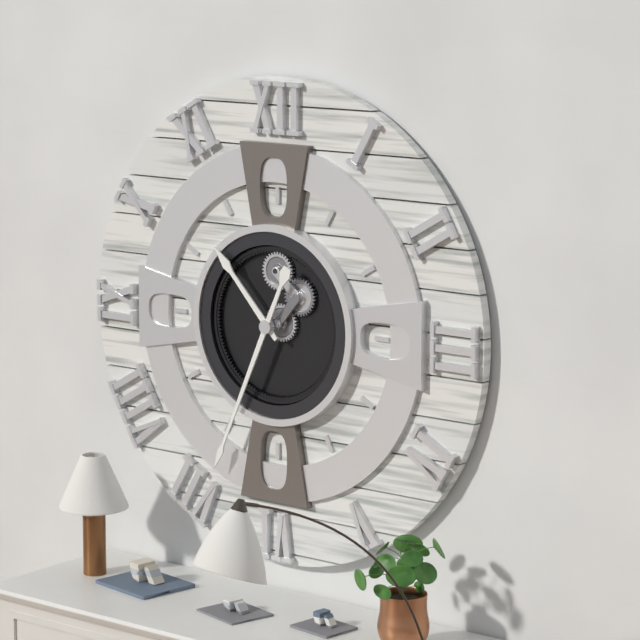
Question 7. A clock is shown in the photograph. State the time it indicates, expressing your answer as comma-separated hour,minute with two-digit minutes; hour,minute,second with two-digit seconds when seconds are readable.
10,34
